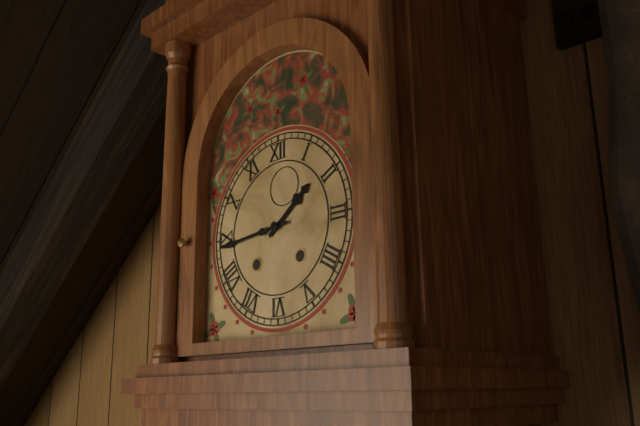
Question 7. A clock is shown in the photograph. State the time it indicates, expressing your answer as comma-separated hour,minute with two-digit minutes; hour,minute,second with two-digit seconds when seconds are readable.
1,44
